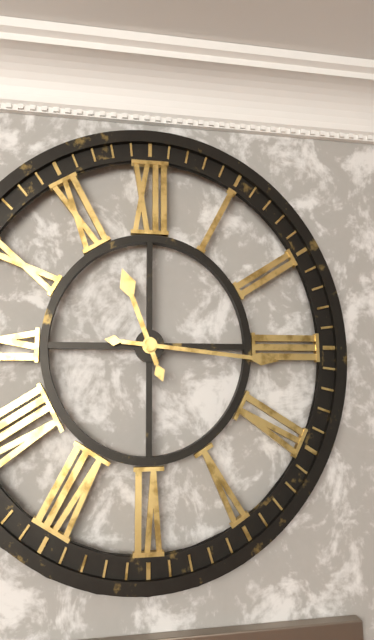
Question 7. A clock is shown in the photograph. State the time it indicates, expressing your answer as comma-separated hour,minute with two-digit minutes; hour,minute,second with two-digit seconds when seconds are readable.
11,16
